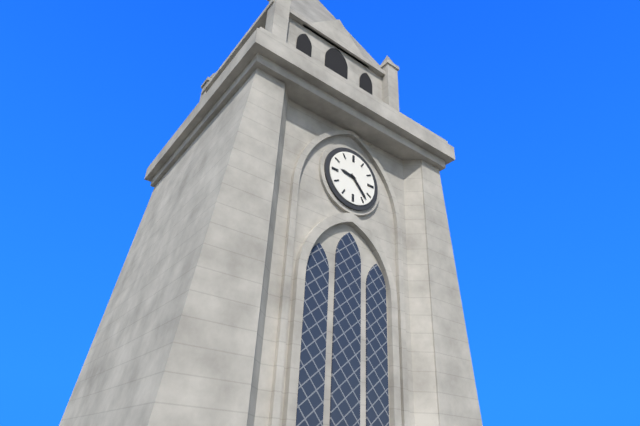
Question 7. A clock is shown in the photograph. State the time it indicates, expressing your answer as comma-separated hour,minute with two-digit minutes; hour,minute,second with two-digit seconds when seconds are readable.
9,23
